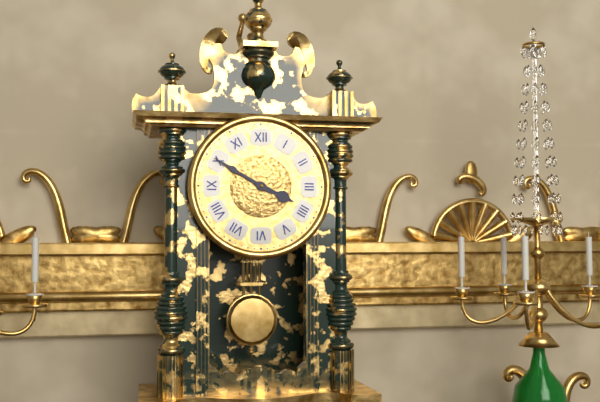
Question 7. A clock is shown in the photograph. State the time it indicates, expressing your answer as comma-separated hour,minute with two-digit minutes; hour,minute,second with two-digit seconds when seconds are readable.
3,50
